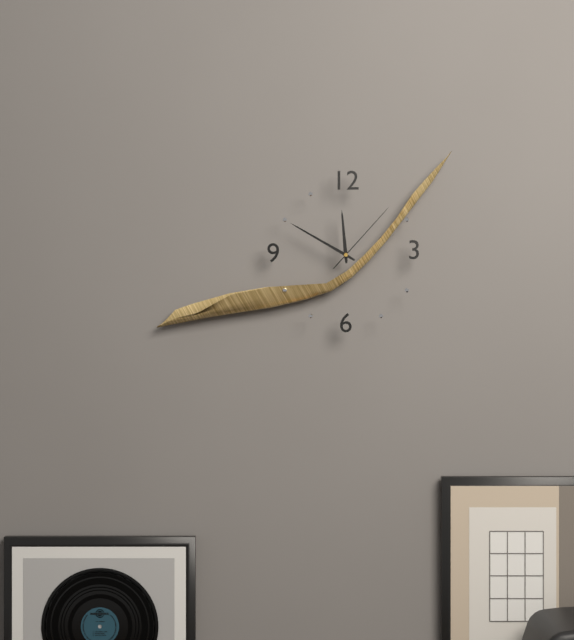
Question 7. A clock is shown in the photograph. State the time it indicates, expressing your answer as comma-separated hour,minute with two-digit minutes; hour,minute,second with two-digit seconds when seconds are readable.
11,50,07
